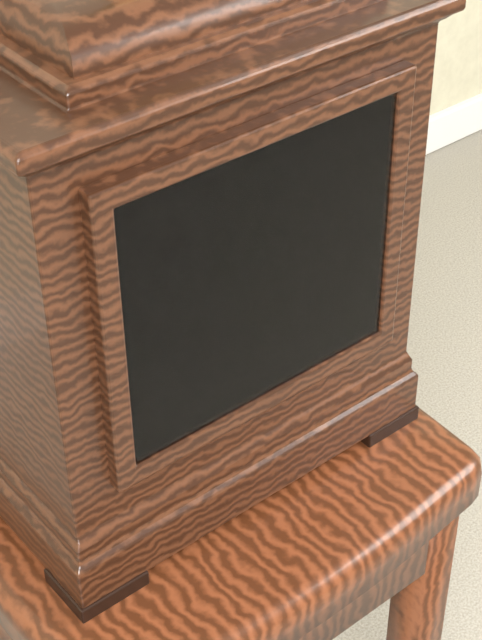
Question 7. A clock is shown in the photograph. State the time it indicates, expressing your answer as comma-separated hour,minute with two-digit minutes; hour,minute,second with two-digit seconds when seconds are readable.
4,35
